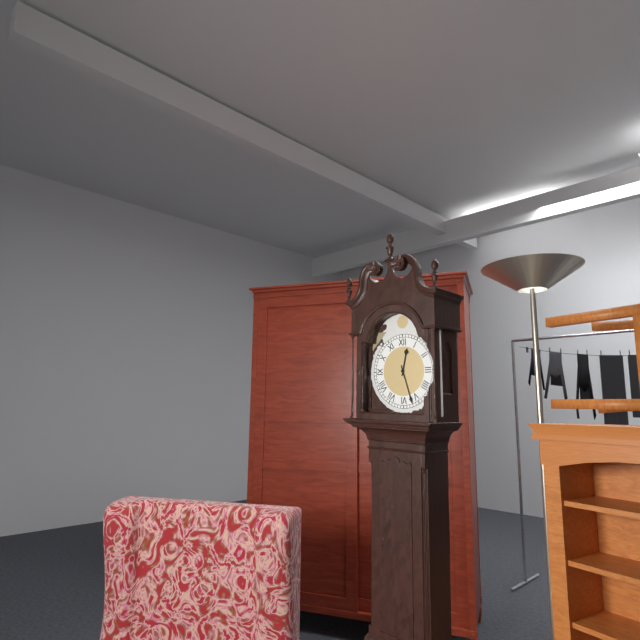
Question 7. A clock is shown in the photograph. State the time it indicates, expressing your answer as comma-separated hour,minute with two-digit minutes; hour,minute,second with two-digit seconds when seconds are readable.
12,27
